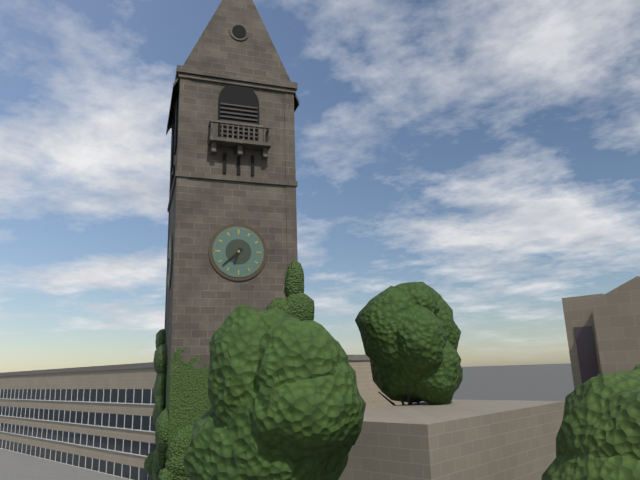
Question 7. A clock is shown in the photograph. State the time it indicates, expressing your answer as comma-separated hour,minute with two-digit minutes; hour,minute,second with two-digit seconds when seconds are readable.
6,38
